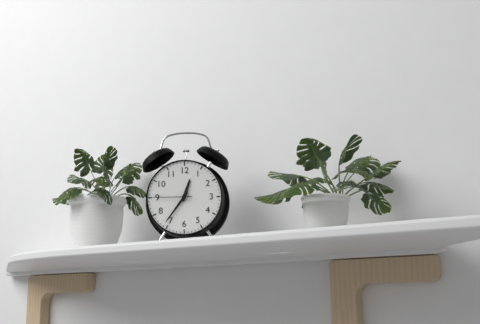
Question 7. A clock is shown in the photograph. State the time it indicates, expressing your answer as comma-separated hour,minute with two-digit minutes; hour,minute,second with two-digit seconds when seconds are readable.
12,36
